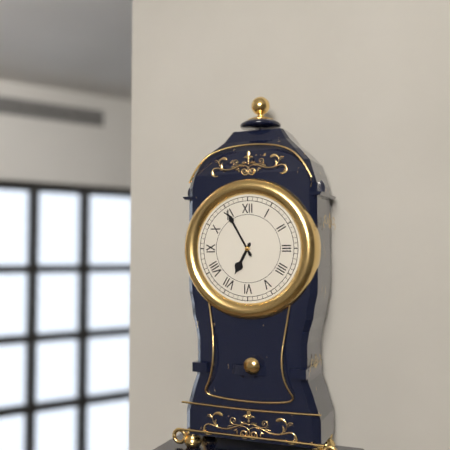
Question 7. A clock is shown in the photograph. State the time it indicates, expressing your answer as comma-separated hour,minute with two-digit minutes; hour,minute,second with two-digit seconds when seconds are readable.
6,55
